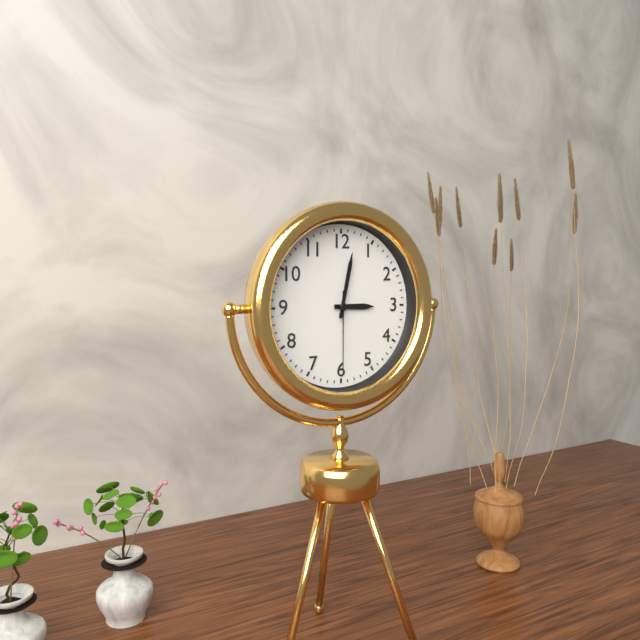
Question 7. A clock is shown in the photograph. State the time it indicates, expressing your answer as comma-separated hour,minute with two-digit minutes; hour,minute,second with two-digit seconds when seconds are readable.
3,02,30
